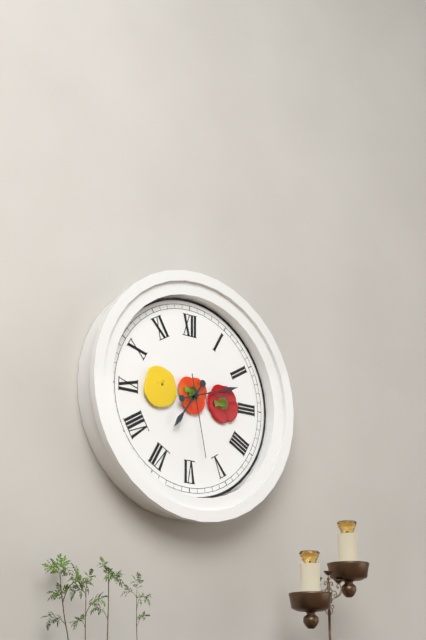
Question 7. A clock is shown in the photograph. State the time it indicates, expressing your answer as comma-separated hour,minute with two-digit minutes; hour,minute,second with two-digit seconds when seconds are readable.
7,12,28
